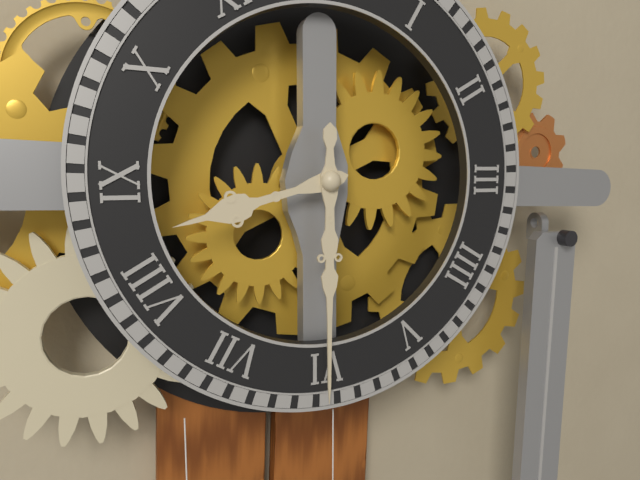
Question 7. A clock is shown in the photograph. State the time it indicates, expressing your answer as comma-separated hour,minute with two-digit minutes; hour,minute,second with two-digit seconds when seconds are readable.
8,30
